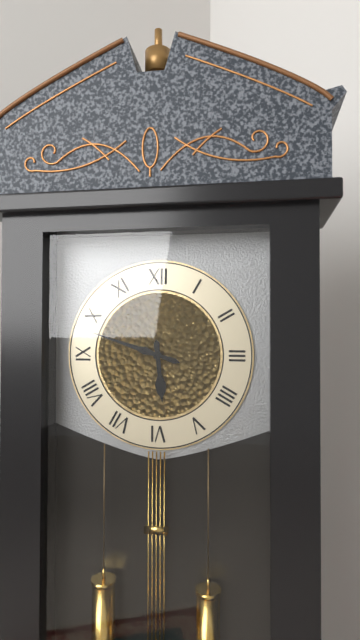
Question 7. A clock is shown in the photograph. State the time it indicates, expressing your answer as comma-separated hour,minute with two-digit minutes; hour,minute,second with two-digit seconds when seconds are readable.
5,48
